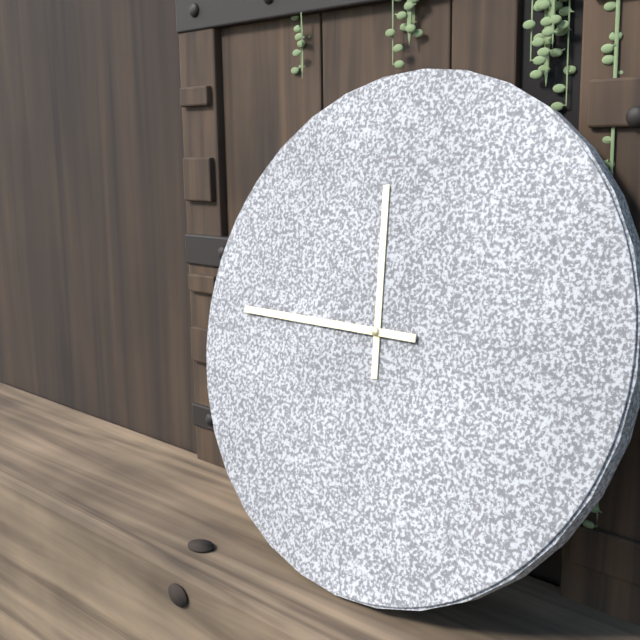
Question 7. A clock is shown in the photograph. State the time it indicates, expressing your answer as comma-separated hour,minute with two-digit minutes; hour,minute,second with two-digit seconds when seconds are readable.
11,45
